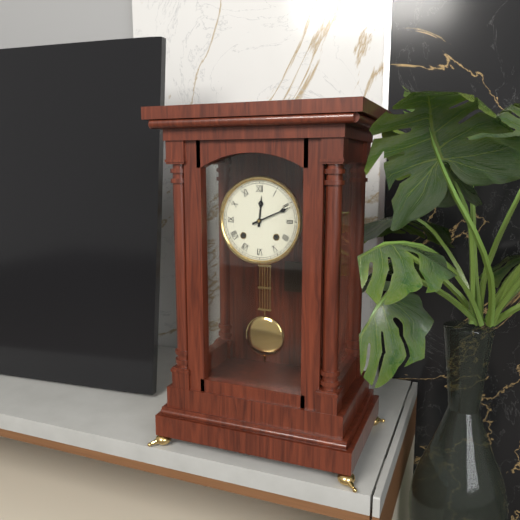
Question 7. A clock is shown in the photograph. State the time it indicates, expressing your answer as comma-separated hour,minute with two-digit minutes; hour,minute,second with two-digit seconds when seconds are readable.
12,11
